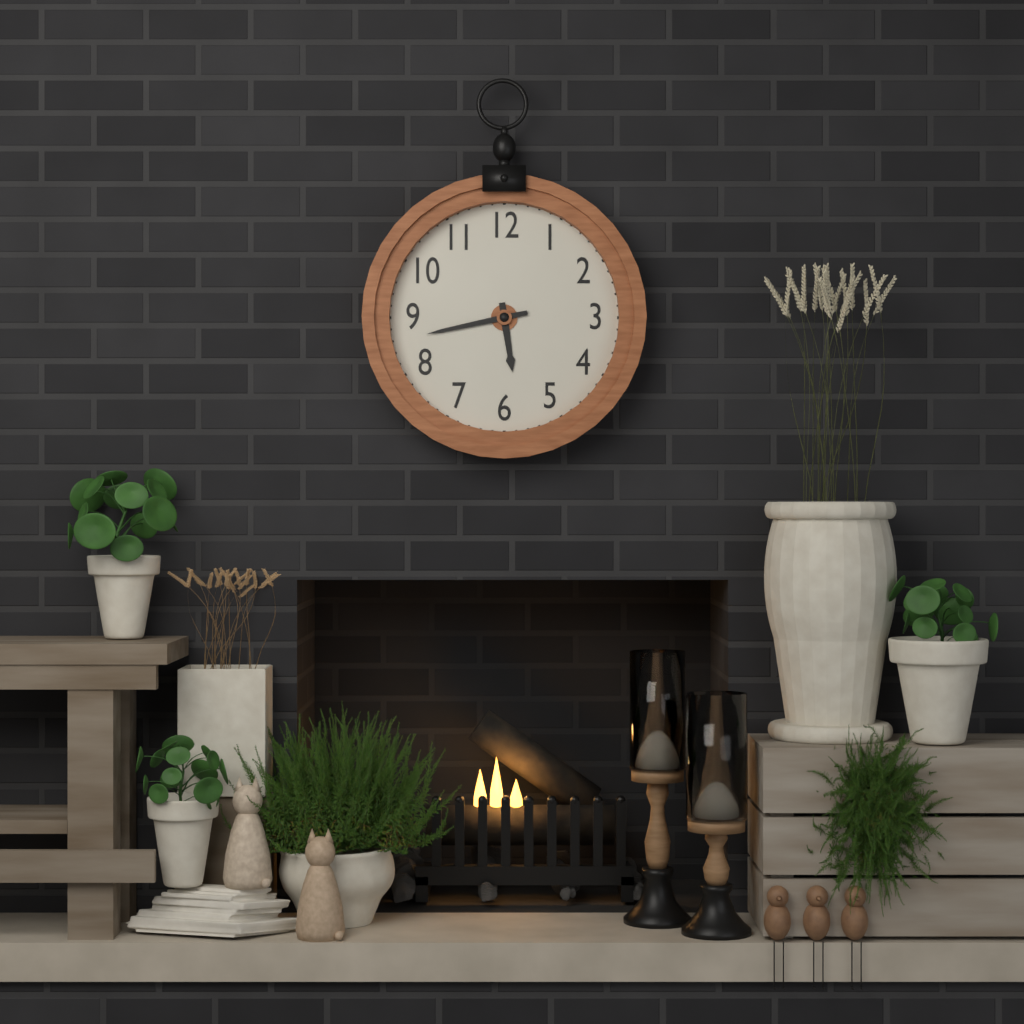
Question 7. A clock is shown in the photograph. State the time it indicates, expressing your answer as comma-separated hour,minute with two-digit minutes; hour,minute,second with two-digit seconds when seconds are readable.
5,43
